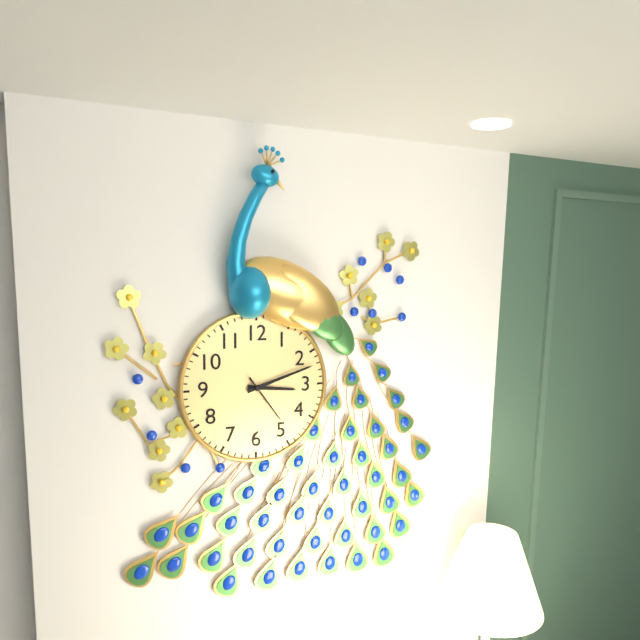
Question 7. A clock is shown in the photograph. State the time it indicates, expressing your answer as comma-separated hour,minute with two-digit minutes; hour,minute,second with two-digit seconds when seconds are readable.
3,12,24
